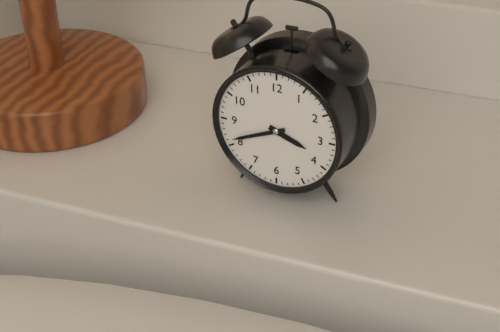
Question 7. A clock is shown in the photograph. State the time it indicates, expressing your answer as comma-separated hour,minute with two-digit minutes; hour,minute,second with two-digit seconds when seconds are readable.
3,41
